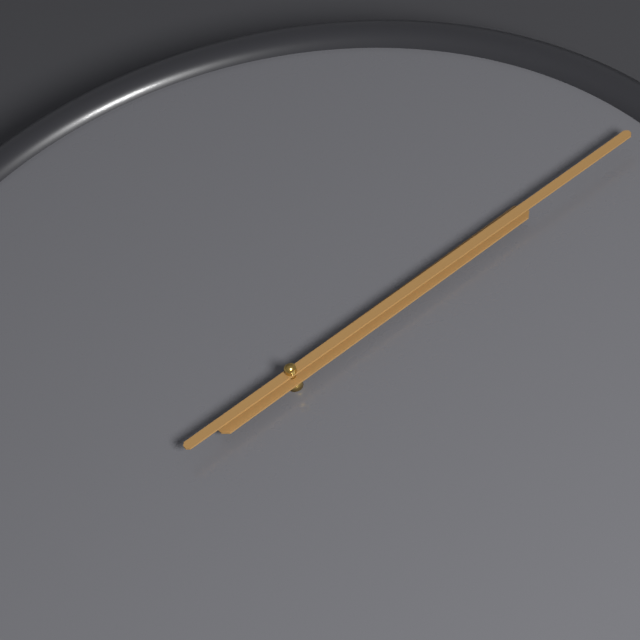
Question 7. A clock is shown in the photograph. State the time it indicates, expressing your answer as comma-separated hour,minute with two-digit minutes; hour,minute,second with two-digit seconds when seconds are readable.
2,11
